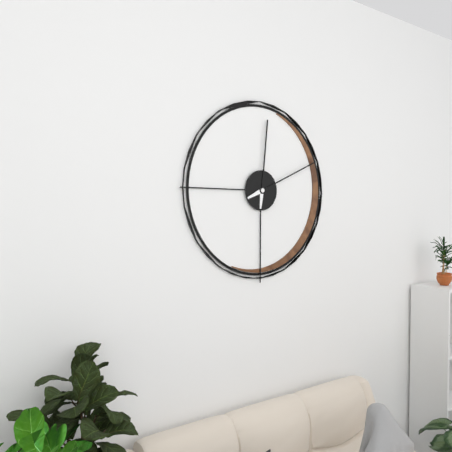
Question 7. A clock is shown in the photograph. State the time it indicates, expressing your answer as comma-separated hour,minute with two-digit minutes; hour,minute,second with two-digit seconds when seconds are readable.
12,11
